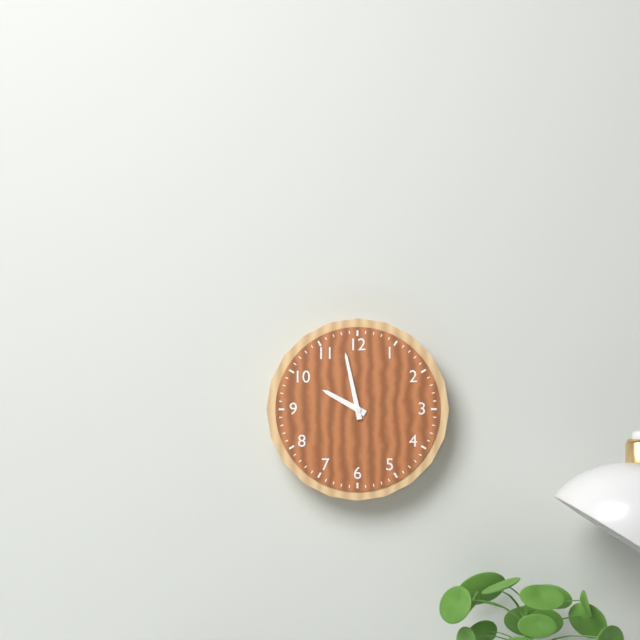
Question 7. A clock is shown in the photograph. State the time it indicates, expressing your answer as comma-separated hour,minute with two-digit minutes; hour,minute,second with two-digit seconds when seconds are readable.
9,58
